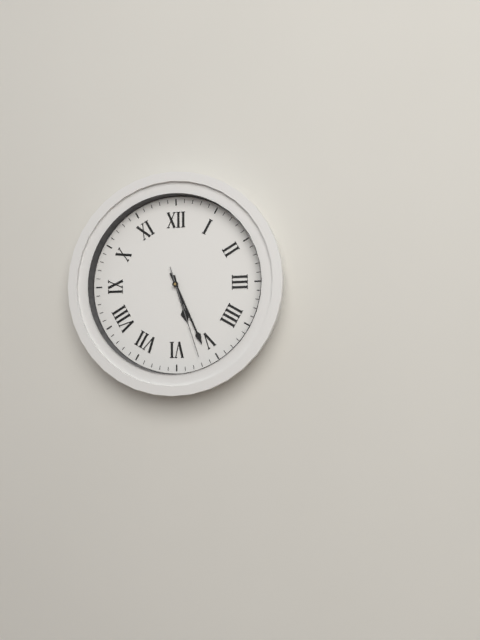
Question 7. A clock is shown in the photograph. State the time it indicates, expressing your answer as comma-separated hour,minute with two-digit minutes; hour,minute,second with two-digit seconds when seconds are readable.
5,26,27
